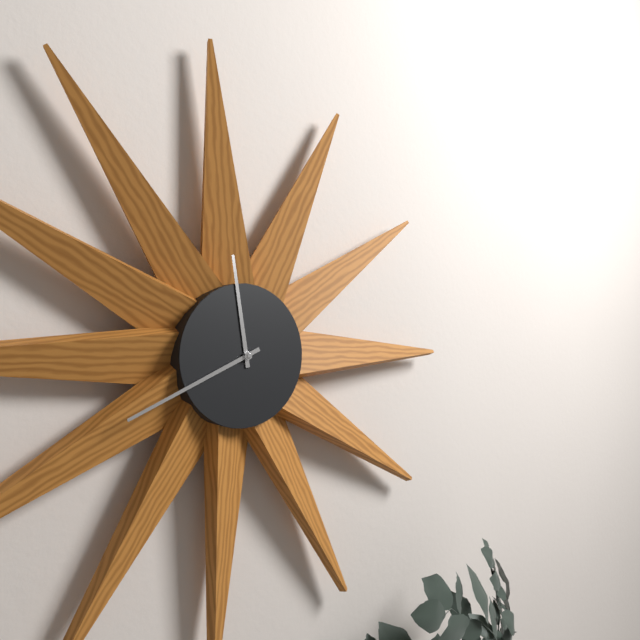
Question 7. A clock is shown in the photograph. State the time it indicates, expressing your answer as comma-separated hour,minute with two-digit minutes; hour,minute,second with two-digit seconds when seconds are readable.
11,41
